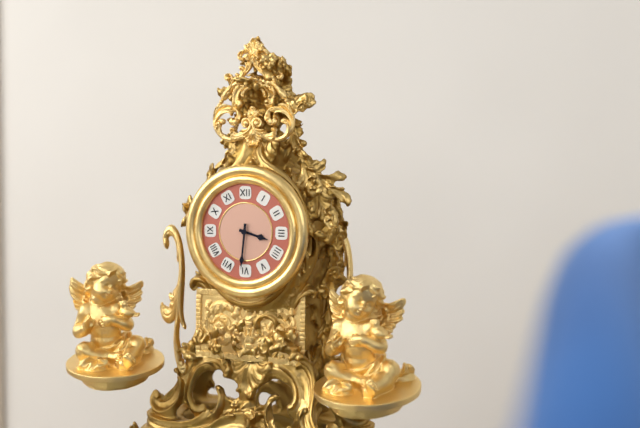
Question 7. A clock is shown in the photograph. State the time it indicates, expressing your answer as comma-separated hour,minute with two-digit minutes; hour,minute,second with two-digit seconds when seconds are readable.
3,31
